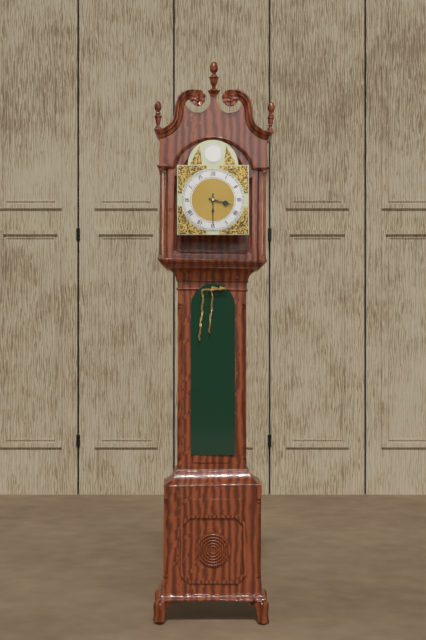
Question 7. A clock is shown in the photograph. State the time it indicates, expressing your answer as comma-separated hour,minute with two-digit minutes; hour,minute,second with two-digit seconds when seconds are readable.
3,30
